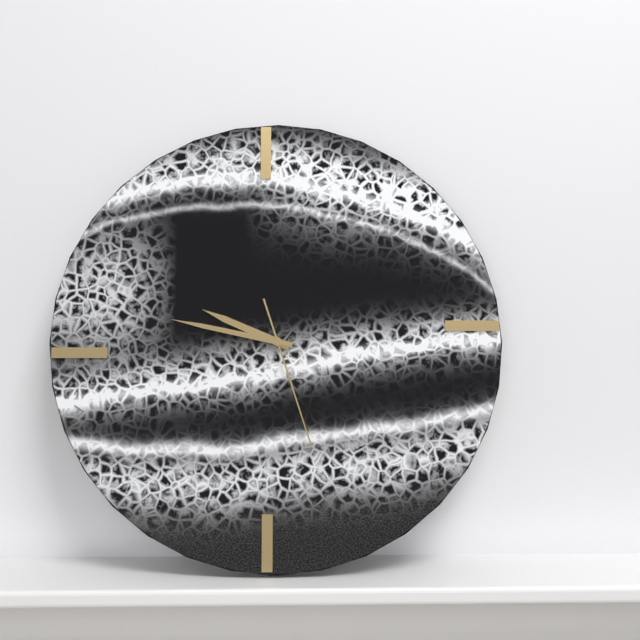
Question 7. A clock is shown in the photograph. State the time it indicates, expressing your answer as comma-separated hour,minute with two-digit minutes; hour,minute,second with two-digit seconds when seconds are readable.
9,47,27
